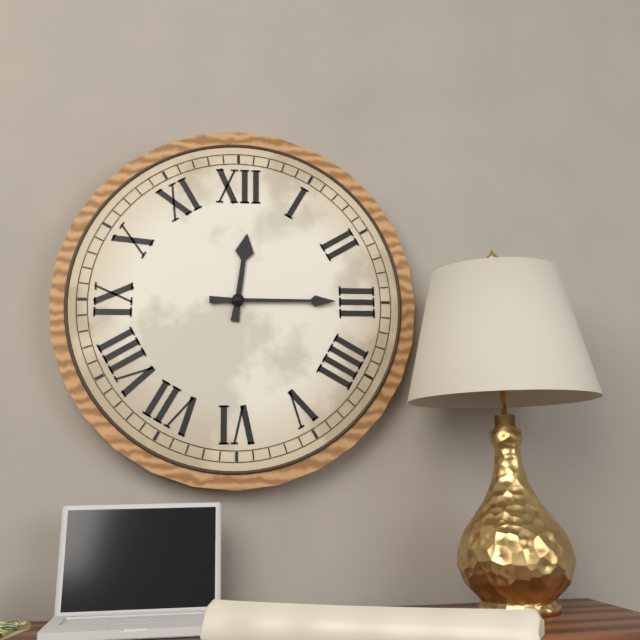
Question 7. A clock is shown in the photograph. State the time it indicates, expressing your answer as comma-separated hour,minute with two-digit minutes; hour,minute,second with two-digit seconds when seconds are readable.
12,15
